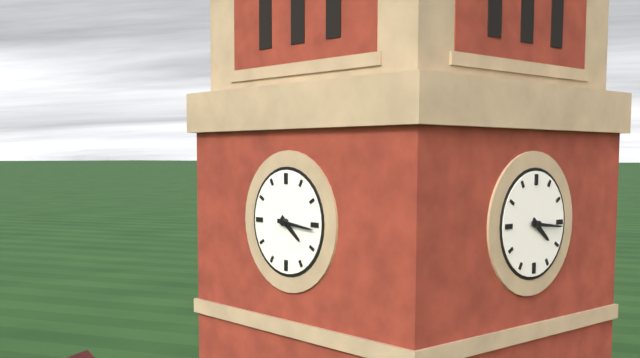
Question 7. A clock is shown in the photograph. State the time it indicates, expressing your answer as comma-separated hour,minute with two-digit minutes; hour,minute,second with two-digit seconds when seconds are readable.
4,16
